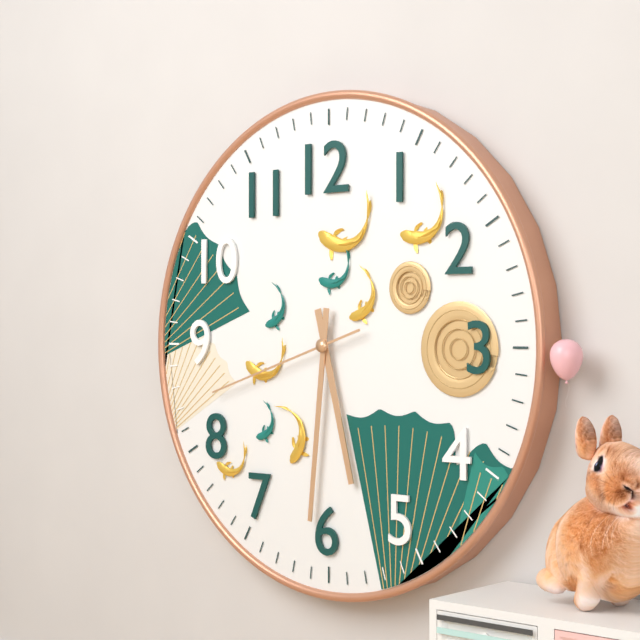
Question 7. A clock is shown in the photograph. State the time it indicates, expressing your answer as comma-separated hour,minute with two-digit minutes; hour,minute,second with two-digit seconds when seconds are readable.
5,31,42
